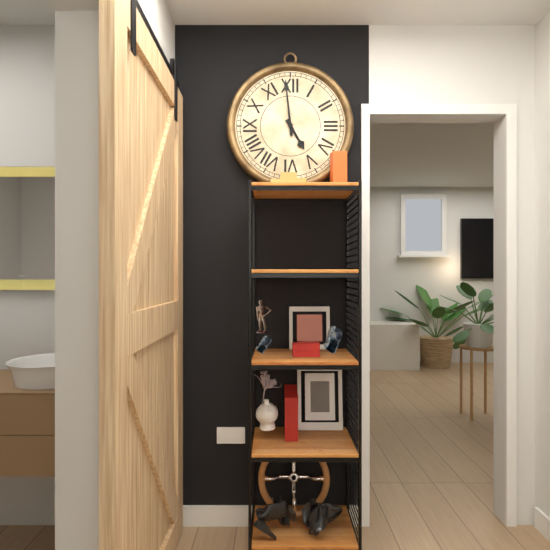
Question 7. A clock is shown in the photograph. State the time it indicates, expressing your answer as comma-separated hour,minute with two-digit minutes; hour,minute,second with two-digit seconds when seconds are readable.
4,59
